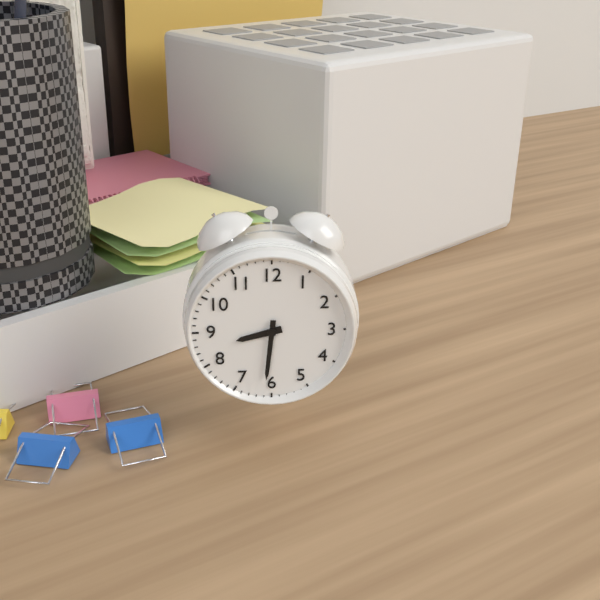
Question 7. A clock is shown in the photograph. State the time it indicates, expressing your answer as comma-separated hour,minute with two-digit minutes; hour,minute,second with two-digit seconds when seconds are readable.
8,31
